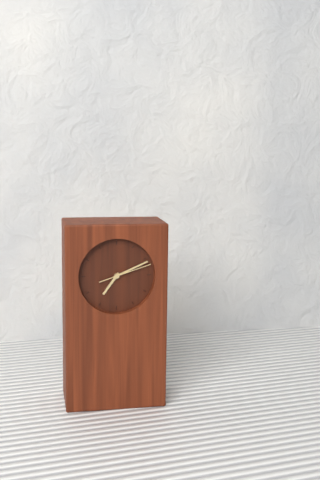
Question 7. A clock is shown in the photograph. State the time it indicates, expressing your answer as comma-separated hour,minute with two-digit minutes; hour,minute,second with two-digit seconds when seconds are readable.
7,11
